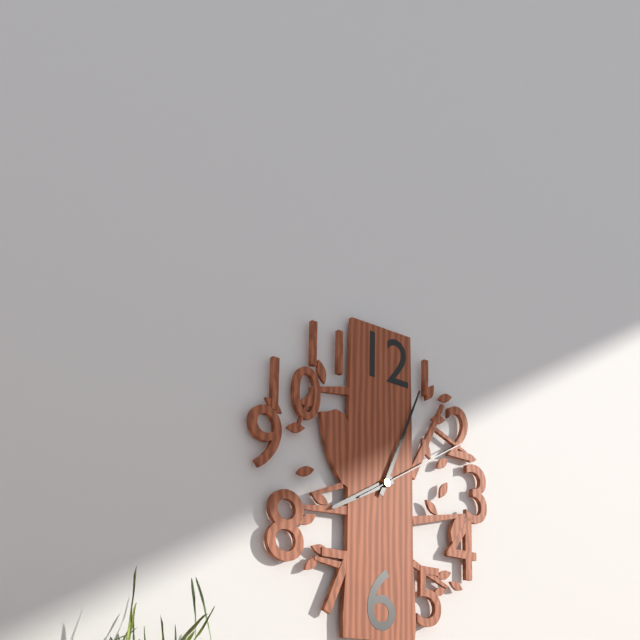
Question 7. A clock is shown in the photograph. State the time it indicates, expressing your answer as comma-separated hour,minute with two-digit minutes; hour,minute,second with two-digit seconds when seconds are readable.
8,04,10
